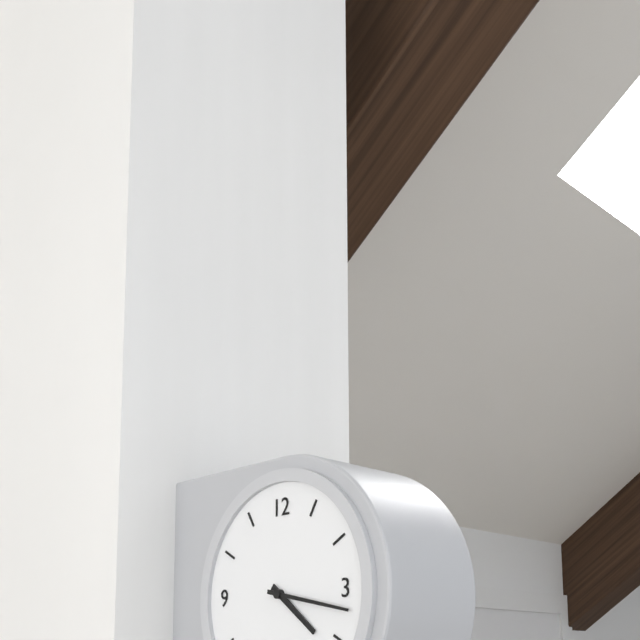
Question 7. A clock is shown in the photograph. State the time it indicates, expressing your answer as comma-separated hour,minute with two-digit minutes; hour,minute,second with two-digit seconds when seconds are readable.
4,17
